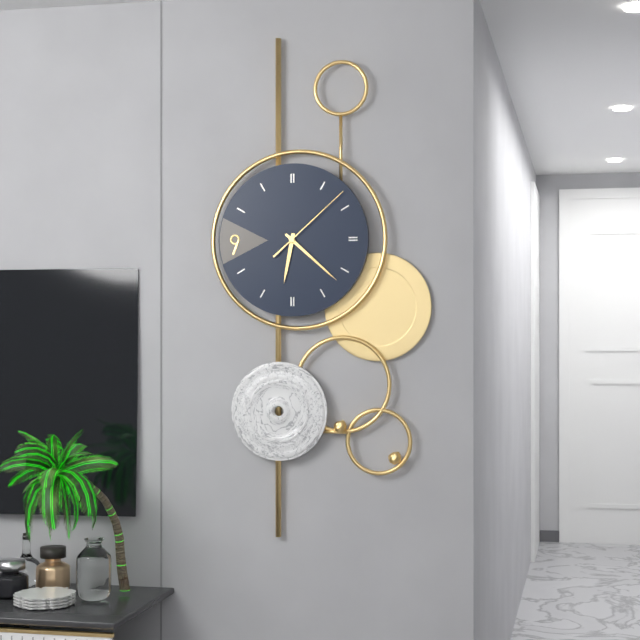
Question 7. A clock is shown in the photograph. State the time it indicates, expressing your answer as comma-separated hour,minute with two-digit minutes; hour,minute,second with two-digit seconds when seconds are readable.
6,22,08
